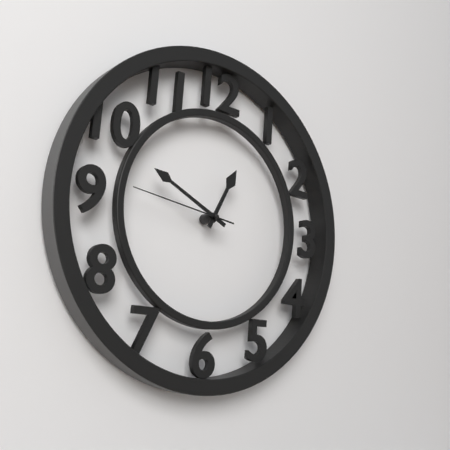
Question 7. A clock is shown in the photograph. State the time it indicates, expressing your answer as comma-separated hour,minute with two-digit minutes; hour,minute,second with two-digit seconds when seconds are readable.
12,49,46
